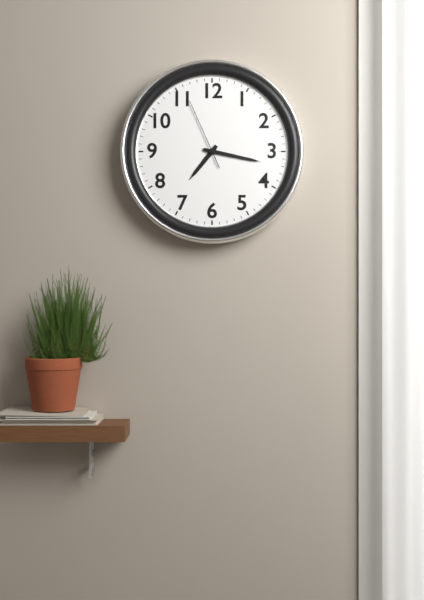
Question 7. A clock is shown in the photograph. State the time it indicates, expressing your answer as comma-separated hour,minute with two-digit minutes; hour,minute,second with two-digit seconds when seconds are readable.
7,17,56
